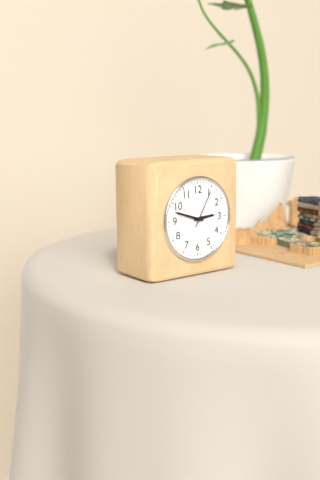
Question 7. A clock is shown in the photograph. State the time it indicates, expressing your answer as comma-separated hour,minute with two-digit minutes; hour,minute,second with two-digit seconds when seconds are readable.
2,48
